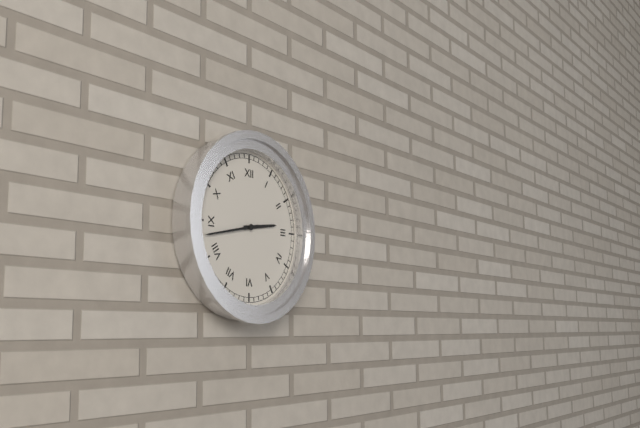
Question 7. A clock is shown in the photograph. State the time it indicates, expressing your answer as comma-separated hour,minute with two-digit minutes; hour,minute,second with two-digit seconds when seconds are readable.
2,43
